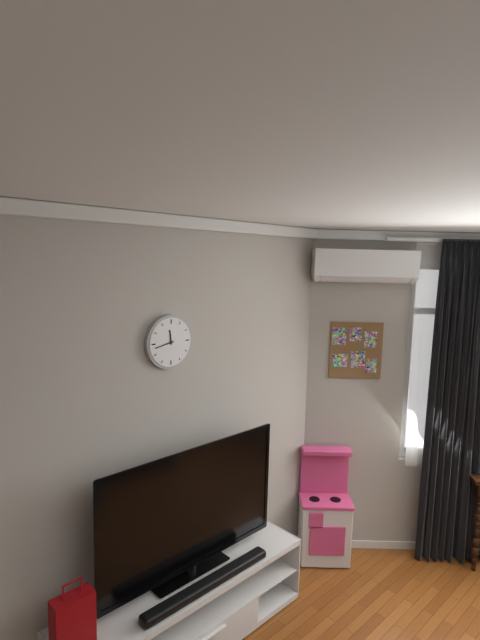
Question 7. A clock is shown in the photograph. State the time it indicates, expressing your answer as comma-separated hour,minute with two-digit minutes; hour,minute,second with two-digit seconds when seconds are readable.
11,43
